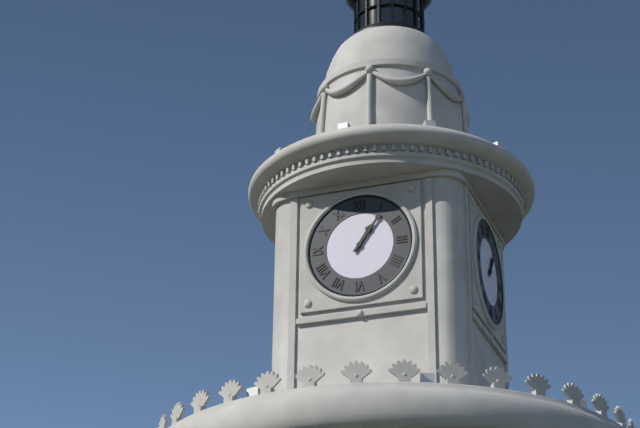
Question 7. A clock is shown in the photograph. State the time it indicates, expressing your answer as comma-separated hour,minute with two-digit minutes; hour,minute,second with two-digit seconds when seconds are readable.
1,06
